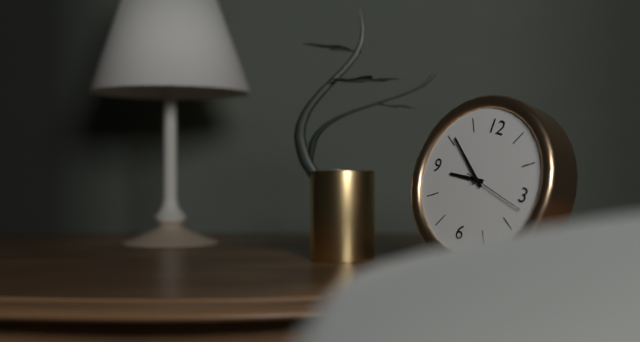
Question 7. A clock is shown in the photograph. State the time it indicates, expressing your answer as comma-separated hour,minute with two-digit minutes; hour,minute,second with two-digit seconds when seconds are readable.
8,51,17
